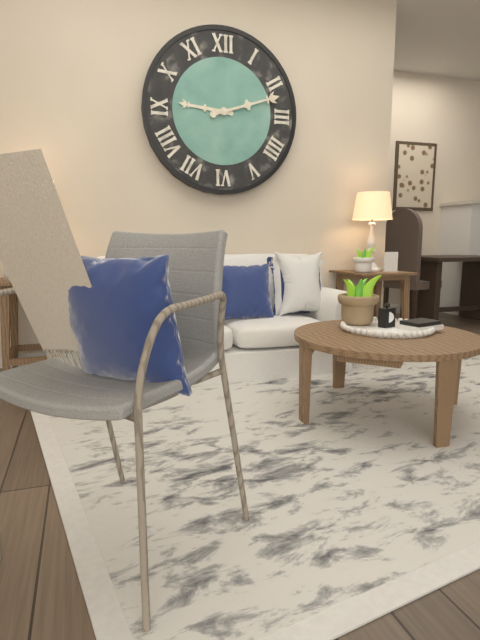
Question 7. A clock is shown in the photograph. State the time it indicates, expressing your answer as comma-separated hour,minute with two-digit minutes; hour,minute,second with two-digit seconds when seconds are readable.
9,12
